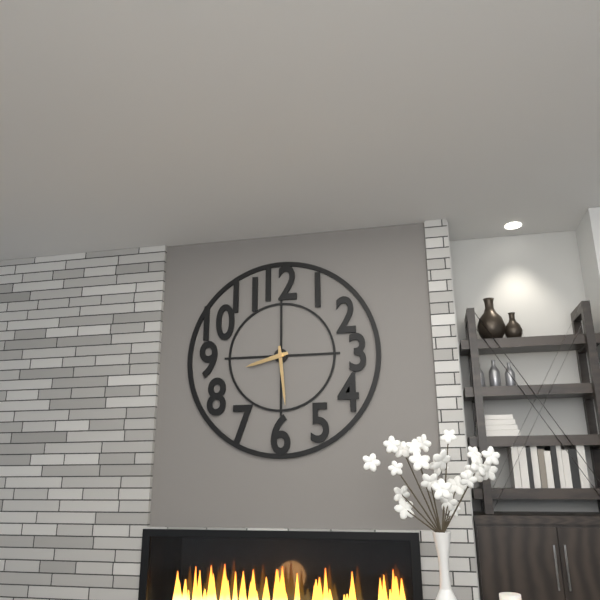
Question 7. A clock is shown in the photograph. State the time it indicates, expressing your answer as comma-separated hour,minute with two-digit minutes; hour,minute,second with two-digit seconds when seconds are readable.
8,29
